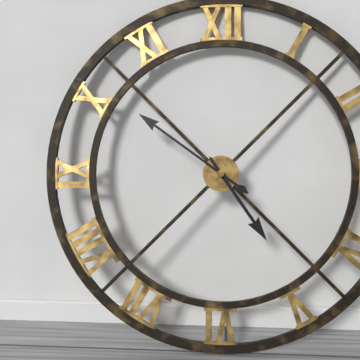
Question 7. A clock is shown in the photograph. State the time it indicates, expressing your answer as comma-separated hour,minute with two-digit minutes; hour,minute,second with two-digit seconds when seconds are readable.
4,51
